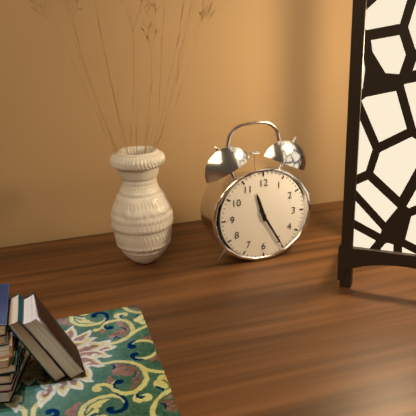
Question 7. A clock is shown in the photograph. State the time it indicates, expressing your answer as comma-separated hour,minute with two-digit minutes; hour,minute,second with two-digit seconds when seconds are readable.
11,25
